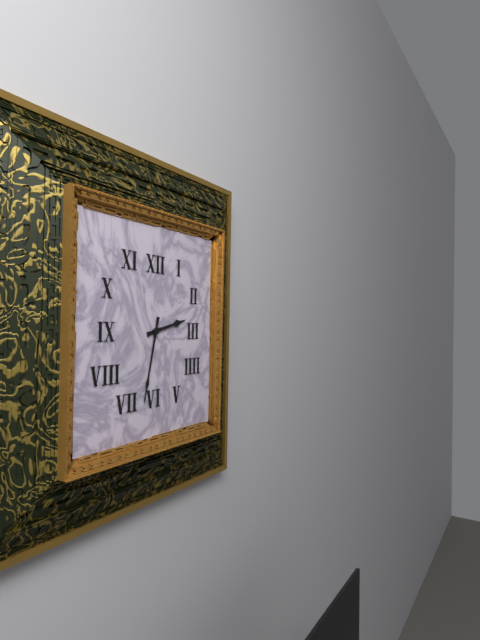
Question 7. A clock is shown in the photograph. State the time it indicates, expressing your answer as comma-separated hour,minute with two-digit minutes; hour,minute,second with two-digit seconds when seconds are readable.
2,32
